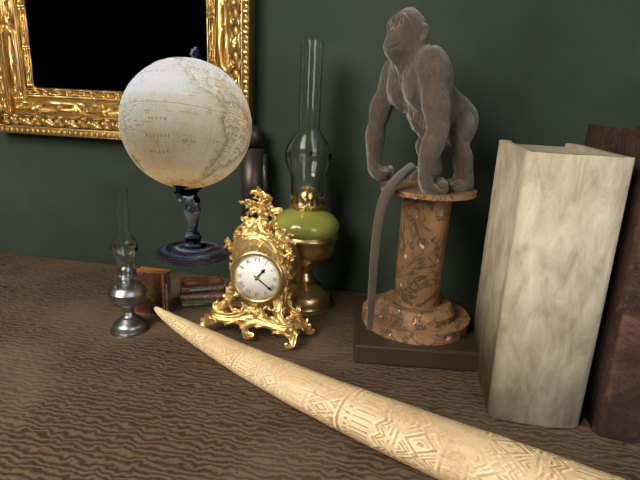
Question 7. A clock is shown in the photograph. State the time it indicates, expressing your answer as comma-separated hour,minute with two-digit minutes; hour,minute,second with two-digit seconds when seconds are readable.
1,21
